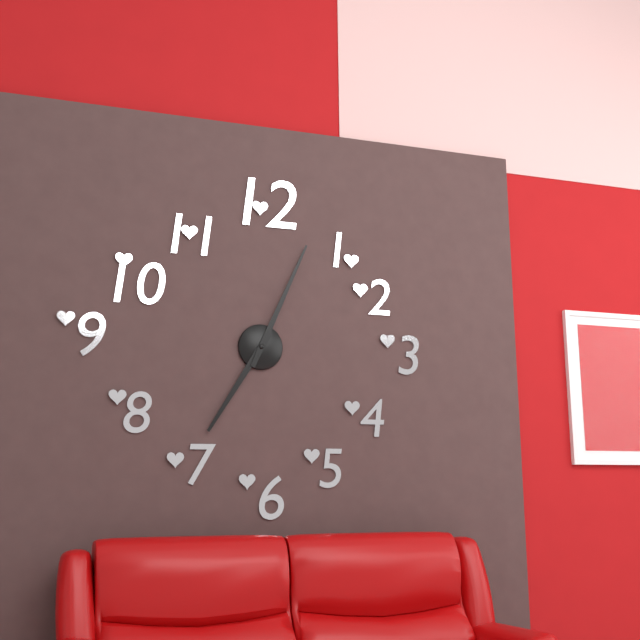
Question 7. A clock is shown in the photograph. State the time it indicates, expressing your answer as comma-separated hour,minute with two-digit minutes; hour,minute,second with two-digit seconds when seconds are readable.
7,04
